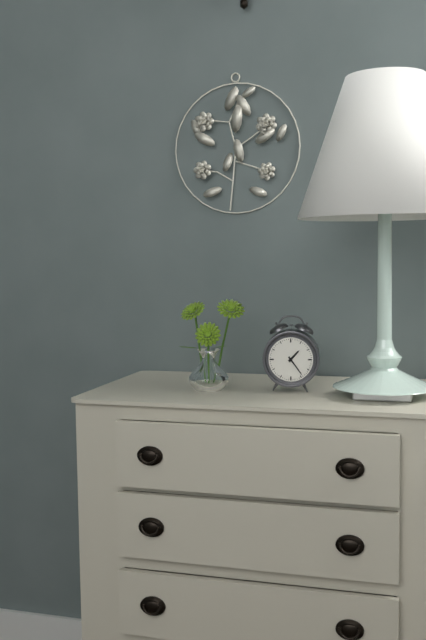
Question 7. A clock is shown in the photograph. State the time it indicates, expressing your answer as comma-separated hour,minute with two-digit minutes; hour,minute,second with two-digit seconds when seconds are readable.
1,24
